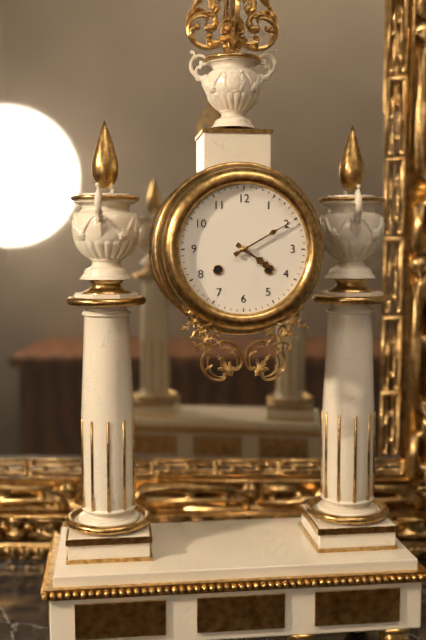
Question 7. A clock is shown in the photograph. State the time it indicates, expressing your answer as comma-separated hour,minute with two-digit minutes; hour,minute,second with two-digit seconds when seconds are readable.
4,10
